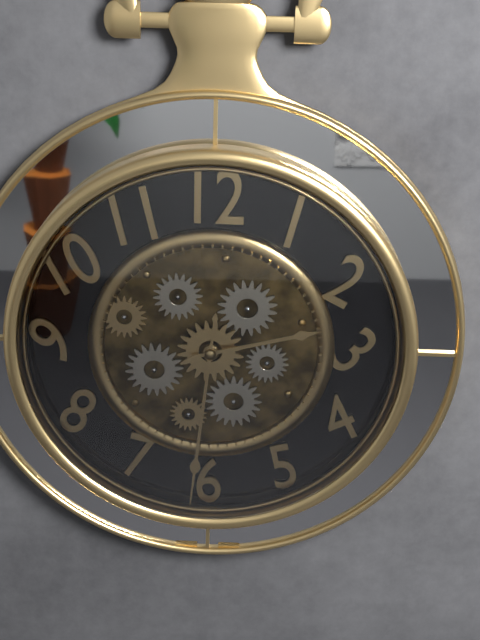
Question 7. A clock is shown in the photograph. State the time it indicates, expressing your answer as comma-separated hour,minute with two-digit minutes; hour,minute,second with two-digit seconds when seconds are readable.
2,31
